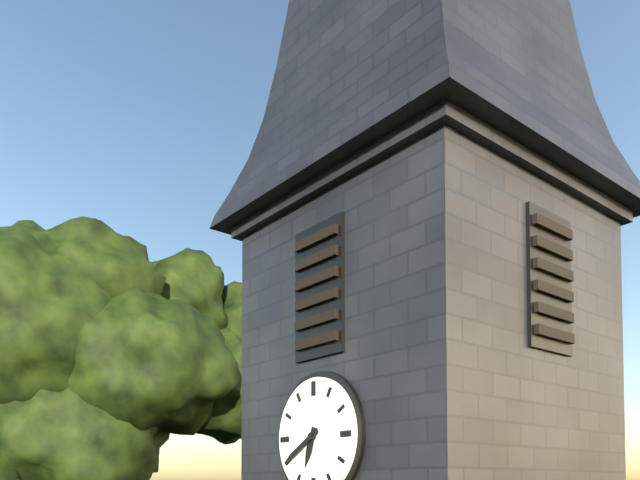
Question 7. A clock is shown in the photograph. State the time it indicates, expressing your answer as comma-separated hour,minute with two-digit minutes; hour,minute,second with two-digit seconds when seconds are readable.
6,40
